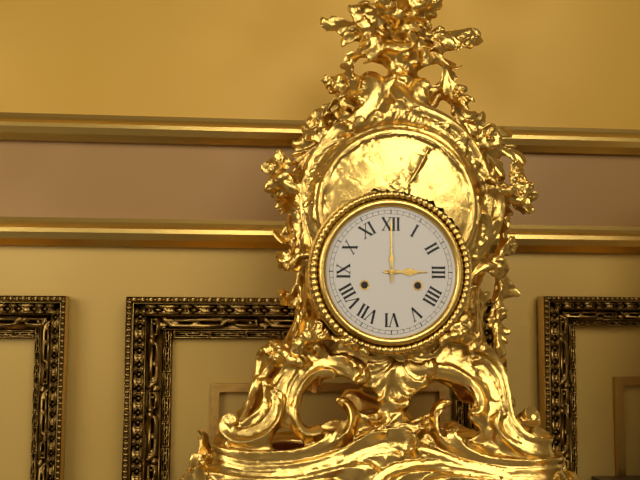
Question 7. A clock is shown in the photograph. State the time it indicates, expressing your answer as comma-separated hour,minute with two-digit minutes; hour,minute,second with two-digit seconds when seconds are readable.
3,00
